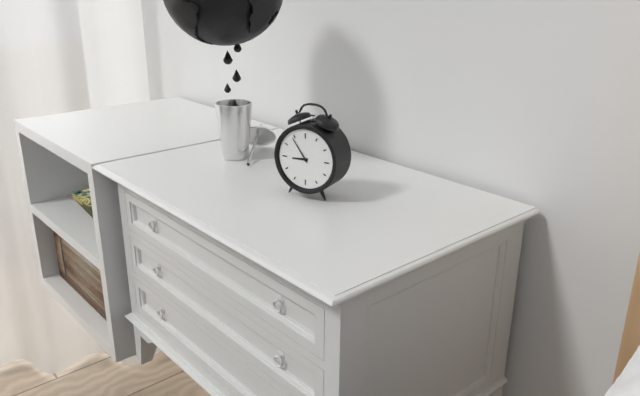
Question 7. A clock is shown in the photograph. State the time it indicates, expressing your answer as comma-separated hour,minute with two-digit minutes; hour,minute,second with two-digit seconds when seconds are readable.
8,54
